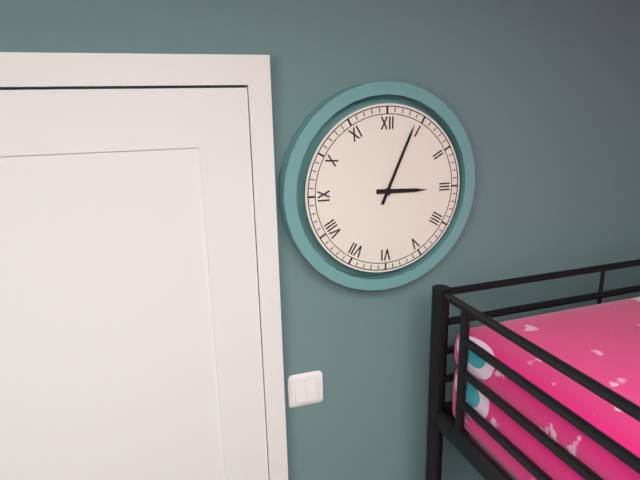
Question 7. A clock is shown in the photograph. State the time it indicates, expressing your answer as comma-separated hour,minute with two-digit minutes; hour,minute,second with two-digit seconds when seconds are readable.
3,04
